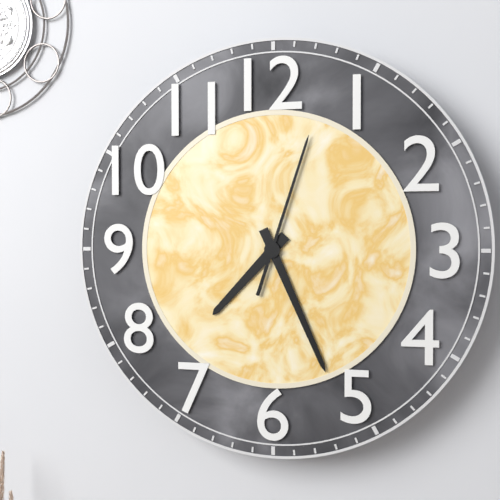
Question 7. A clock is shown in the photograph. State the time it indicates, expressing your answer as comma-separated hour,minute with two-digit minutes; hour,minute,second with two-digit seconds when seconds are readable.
7,26,03
